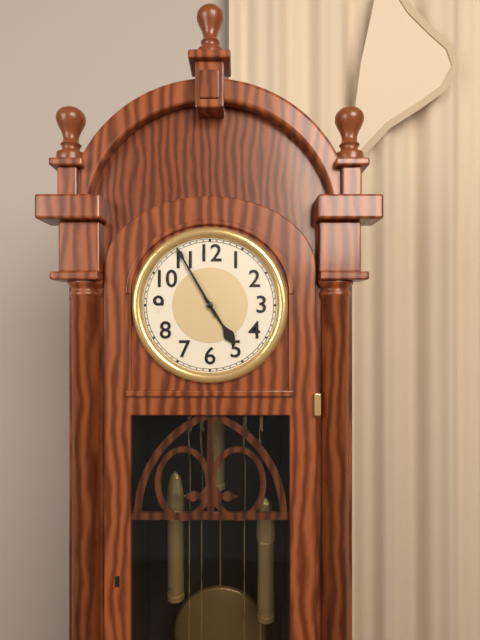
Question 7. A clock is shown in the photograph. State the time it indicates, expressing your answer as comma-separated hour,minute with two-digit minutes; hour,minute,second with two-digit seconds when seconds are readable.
4,55
